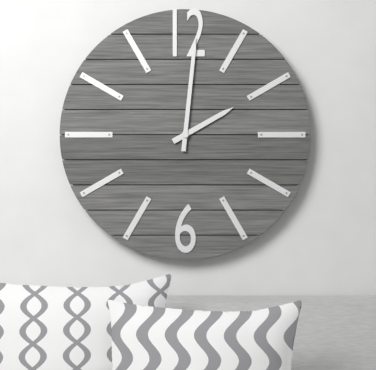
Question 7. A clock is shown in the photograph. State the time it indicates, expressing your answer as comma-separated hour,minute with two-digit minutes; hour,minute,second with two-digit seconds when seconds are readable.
2,01
